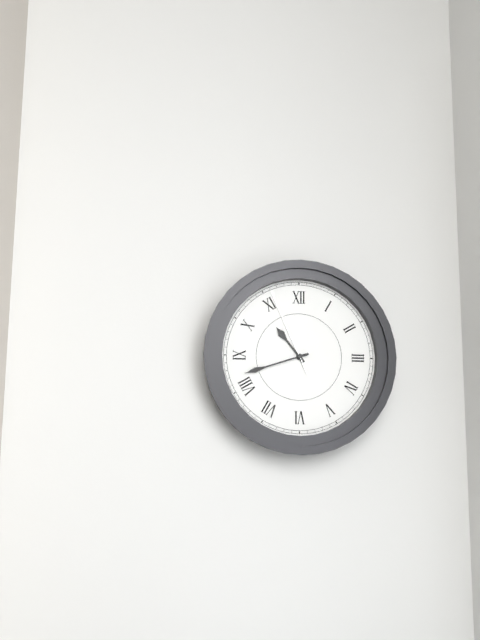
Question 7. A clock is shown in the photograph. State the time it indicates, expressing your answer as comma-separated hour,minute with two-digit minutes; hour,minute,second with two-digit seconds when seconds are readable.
10,42,56
